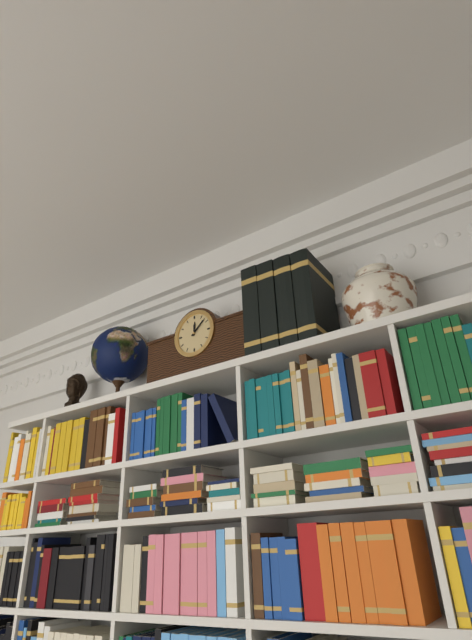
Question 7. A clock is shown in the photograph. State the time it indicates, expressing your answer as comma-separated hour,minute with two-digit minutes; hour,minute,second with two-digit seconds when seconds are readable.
12,08
